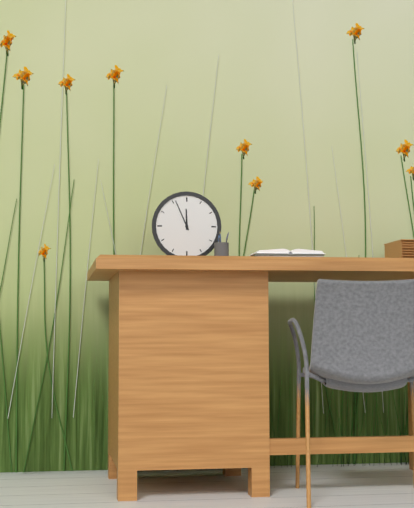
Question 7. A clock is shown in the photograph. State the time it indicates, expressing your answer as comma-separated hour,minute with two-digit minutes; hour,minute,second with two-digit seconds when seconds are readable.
11,56
